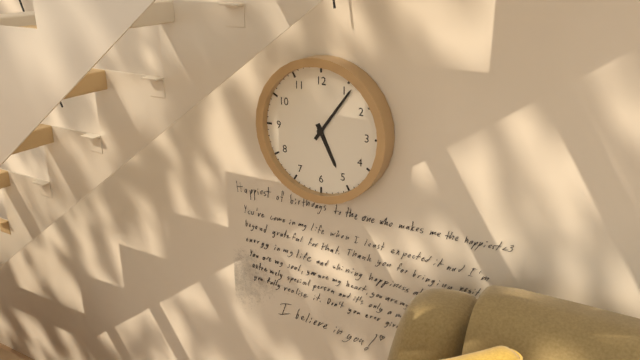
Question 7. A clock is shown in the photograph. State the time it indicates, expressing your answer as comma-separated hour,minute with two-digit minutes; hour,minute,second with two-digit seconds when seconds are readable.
5,06
